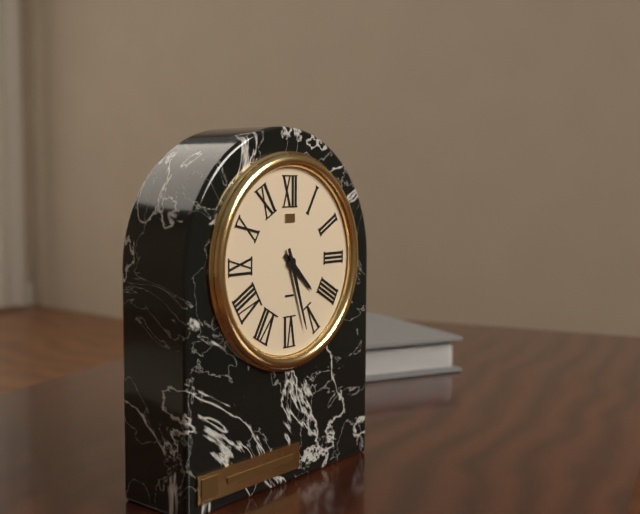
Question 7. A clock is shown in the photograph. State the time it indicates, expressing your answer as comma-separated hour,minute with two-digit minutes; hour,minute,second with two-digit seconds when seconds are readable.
4,27
